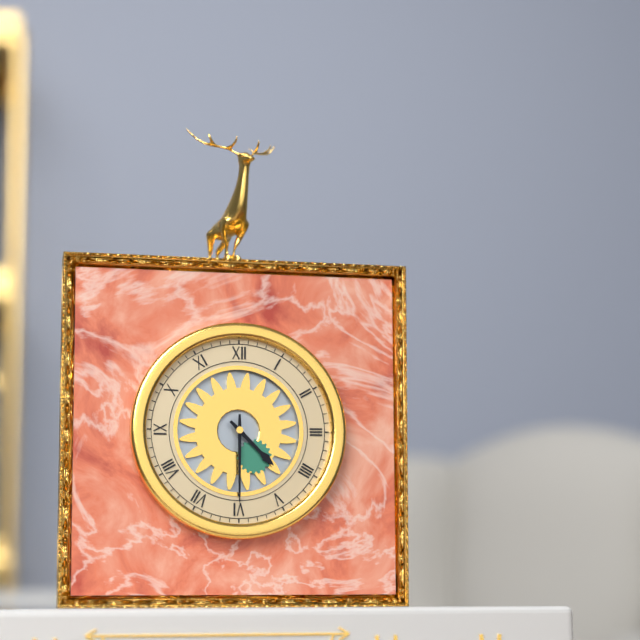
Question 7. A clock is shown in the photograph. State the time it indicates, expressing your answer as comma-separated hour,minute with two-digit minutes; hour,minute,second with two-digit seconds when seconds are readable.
4,30
